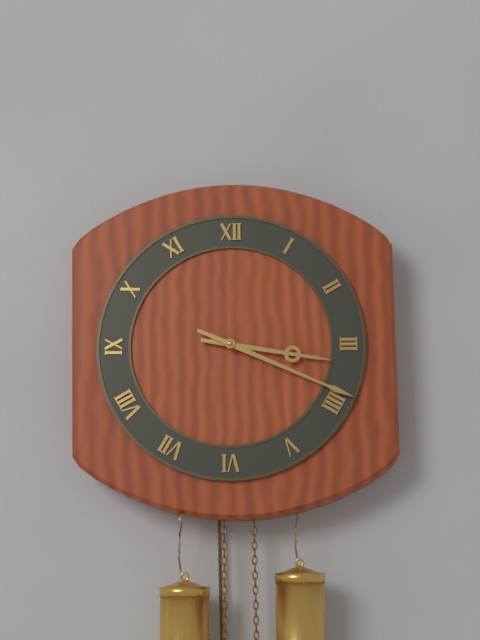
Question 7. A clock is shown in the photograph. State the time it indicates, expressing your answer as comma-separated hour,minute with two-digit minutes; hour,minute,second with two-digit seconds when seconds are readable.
3,19
